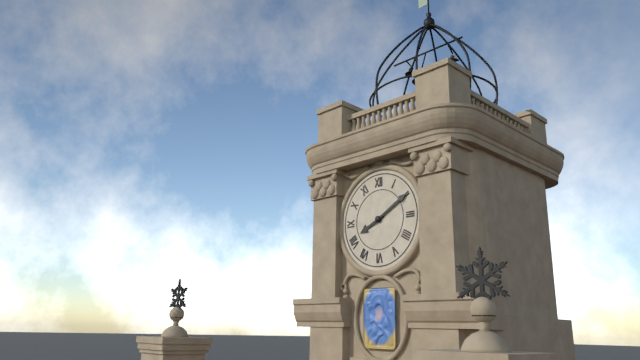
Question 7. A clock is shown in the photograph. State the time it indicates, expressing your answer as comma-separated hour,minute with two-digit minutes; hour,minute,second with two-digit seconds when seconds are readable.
8,10
